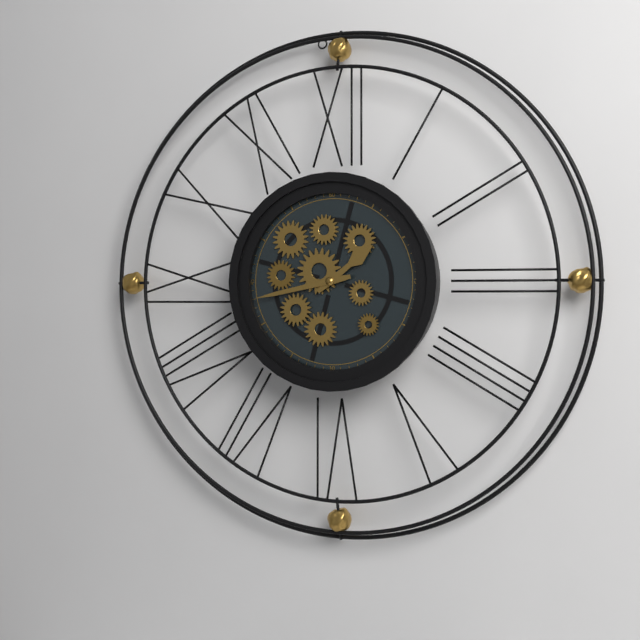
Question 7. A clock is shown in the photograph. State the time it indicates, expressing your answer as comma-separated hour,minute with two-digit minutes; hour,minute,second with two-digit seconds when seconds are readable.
1,43
